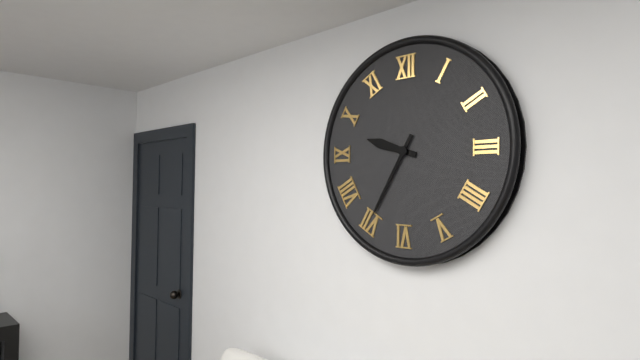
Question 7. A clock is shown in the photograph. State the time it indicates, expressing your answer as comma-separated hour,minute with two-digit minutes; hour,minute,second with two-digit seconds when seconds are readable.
9,35
